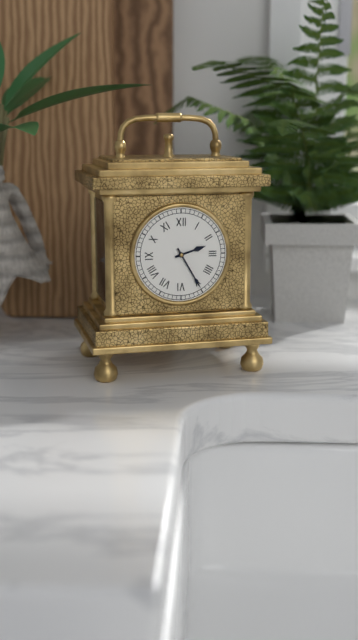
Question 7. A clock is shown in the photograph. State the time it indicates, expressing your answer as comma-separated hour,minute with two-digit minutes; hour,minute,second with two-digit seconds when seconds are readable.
2,25
